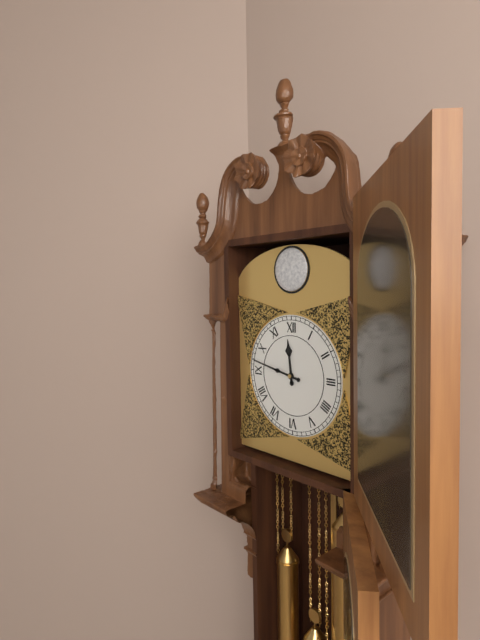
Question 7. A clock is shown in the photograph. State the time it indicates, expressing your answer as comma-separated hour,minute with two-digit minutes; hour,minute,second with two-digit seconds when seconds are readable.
11,47
